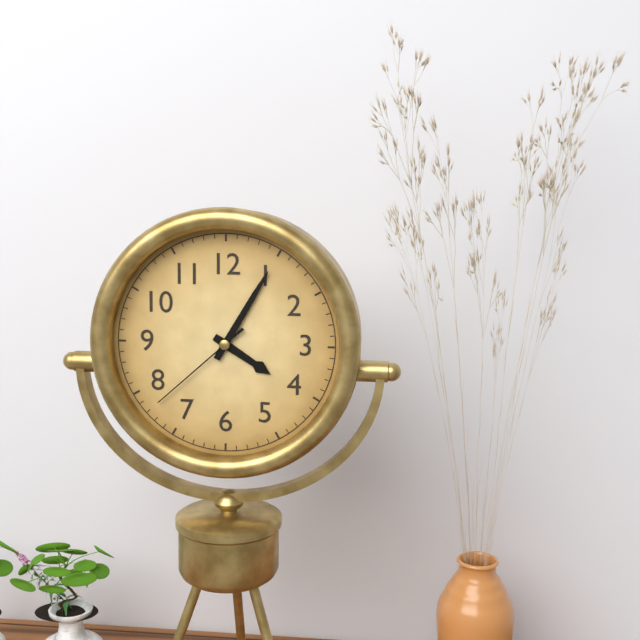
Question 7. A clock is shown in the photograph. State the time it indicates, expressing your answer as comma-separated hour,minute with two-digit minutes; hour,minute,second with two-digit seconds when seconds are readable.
4,05,38
